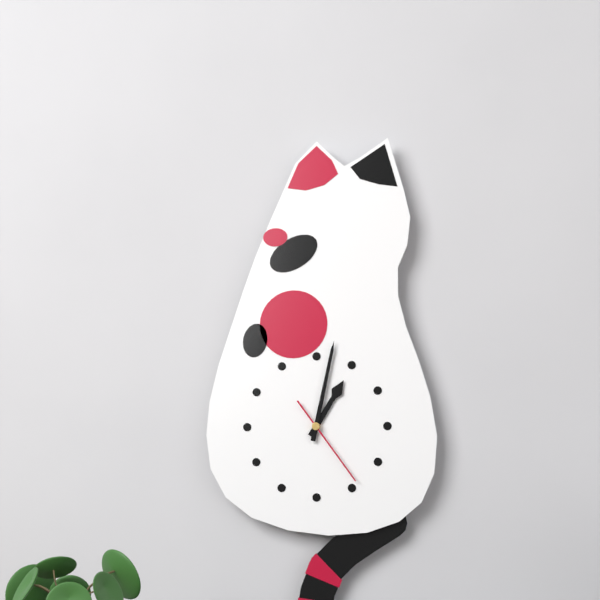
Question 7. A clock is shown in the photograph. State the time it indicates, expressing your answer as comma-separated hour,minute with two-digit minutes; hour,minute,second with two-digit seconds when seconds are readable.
1,02,24
